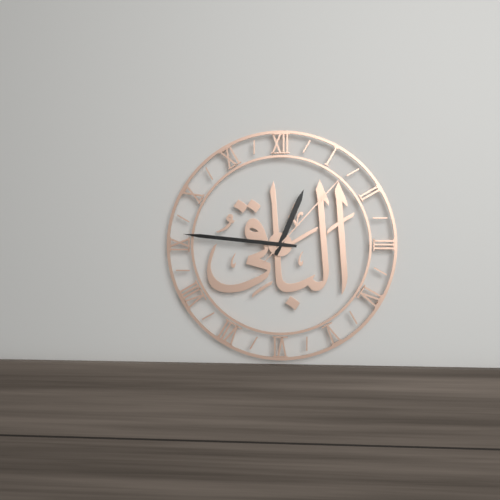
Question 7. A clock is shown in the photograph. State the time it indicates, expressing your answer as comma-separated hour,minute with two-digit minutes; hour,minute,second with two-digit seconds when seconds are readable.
12,46,07
